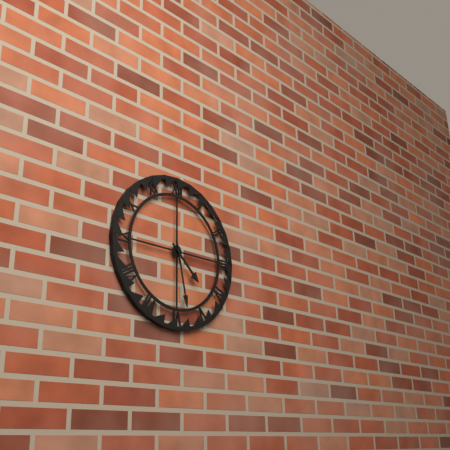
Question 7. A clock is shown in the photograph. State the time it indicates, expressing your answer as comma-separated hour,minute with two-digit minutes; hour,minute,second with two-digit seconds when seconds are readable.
4,28
